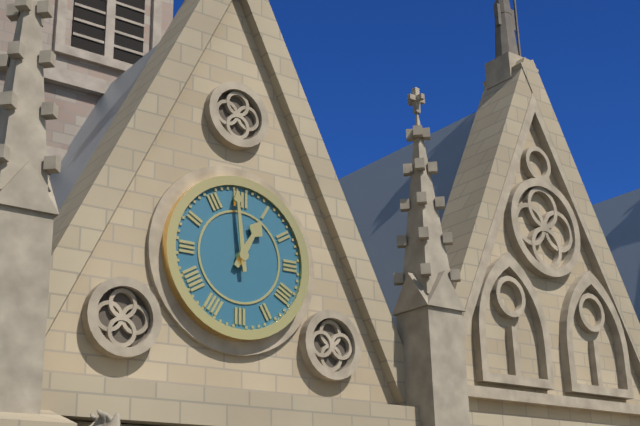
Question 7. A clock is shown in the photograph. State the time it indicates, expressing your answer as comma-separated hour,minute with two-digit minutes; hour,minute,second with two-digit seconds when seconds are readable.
12,59
